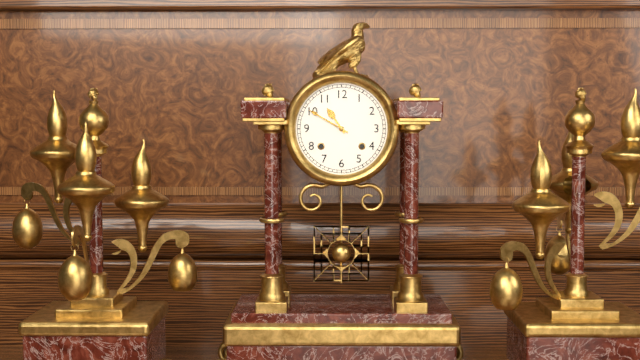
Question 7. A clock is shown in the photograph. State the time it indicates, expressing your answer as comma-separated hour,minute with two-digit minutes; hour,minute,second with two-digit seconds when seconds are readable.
10,50
